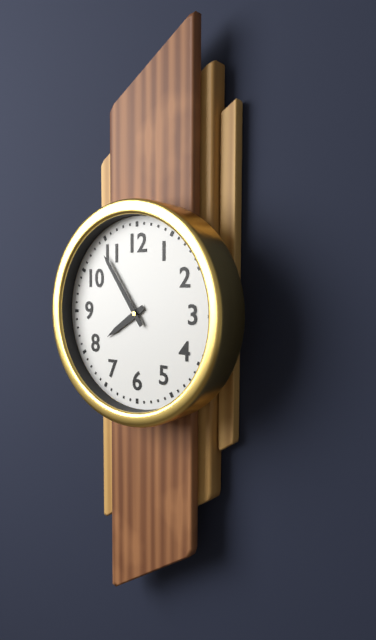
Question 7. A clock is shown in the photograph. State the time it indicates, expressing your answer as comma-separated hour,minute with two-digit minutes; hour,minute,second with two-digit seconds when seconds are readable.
7,54
